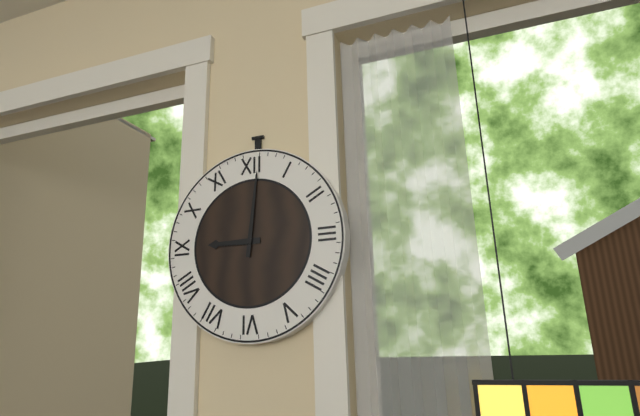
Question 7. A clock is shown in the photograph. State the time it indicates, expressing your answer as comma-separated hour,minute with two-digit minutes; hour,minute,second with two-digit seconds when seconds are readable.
9,01
